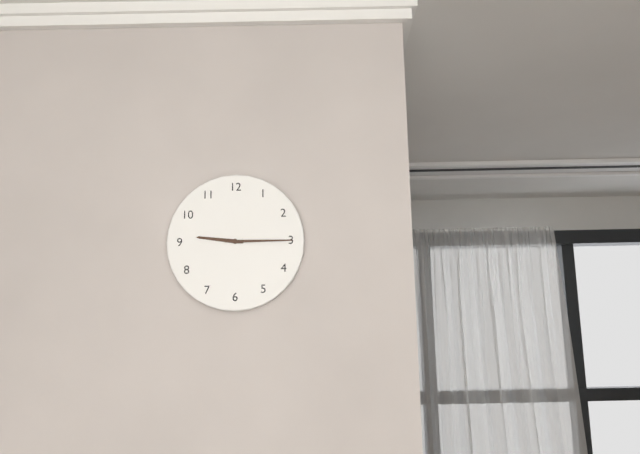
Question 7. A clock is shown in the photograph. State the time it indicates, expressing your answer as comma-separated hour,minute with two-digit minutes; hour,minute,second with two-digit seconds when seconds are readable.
9,15
